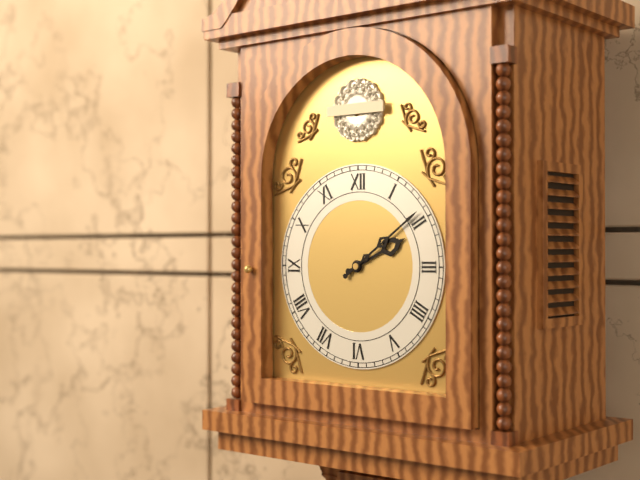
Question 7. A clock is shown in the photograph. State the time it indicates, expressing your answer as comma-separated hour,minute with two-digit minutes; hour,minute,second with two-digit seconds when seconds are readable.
2,09
